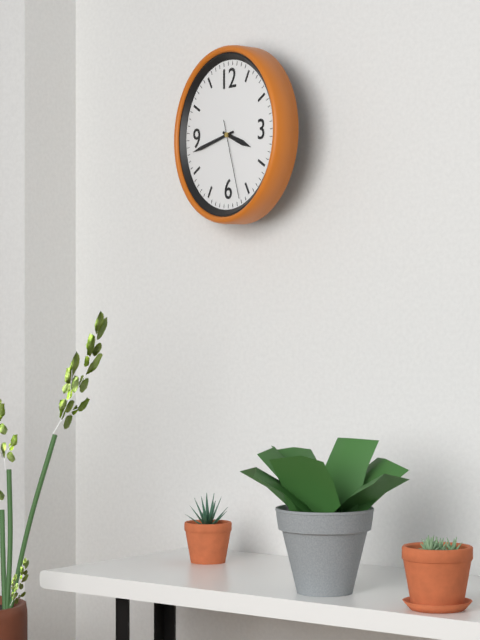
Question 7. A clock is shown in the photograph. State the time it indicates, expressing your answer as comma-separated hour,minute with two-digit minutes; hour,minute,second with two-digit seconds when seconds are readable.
3,43,27
